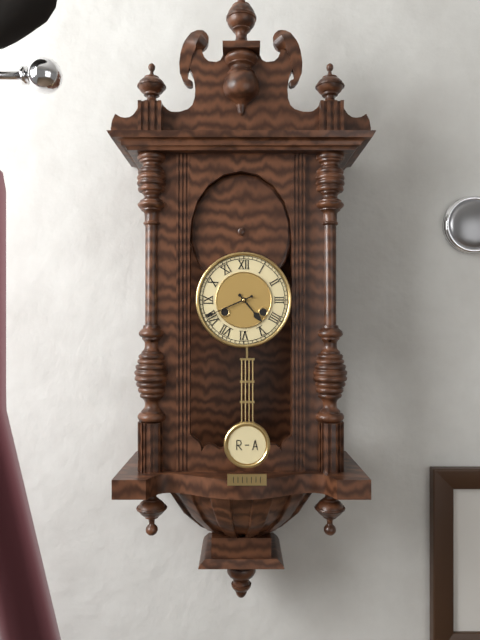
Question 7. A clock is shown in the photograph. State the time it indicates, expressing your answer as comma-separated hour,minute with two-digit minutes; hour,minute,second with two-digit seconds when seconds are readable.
4,41
